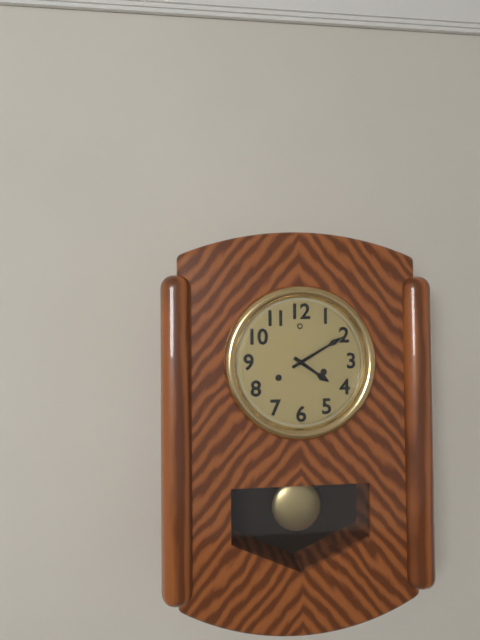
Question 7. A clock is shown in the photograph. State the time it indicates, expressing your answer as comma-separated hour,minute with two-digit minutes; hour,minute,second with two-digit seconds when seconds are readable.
4,10
